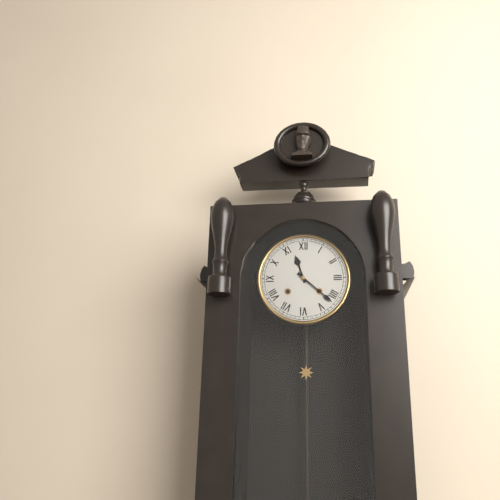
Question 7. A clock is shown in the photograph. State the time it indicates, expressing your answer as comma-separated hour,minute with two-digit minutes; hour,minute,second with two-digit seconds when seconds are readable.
11,22
